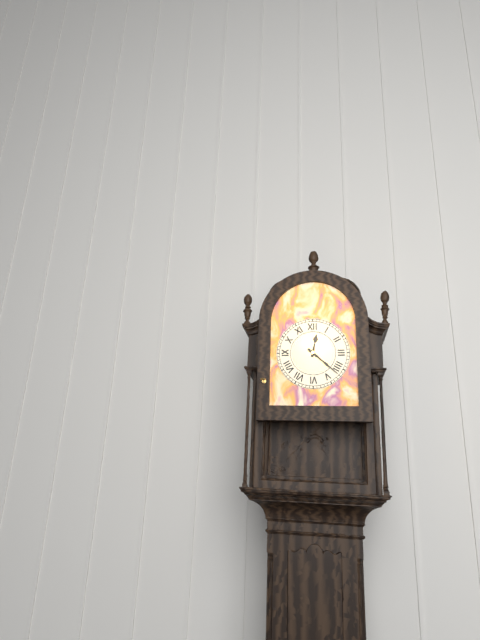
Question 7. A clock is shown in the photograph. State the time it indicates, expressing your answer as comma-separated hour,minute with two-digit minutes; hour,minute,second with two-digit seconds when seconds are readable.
12,22
